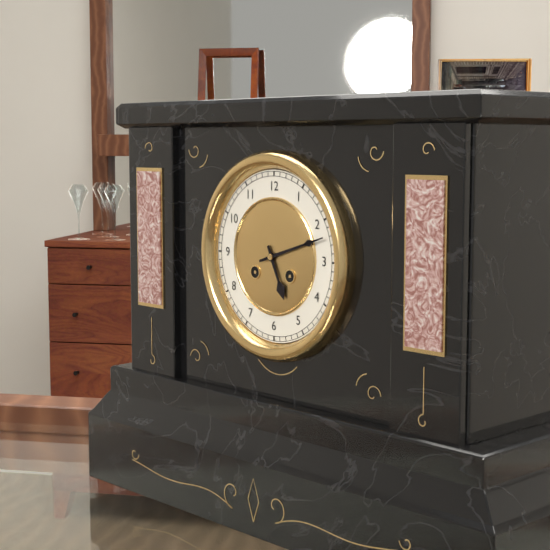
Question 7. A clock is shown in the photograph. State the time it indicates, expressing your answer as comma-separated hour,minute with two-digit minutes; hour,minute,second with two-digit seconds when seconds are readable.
5,12
